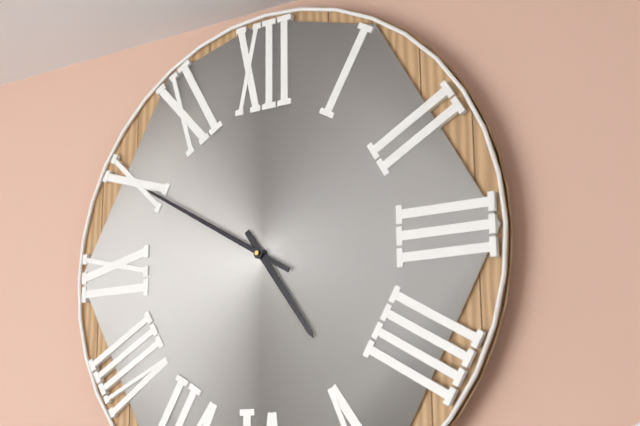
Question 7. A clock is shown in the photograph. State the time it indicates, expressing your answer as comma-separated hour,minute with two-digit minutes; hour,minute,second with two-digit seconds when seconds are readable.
4,50
